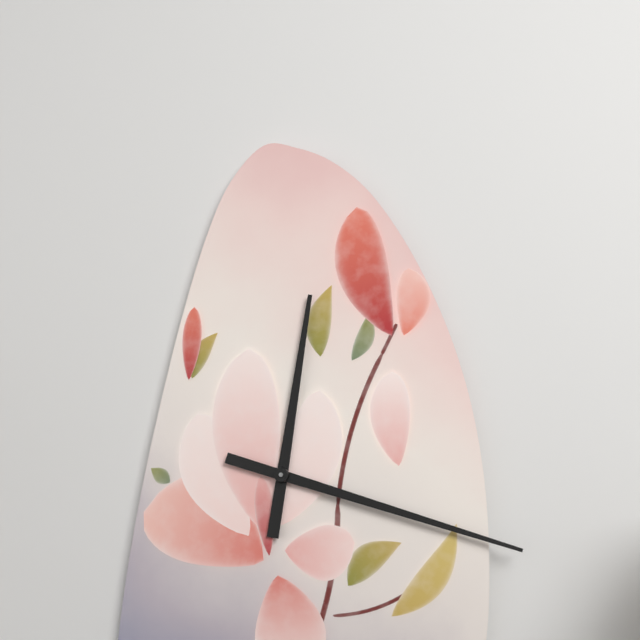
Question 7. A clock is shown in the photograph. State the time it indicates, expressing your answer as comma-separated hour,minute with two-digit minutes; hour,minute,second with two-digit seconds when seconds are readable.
12,18
